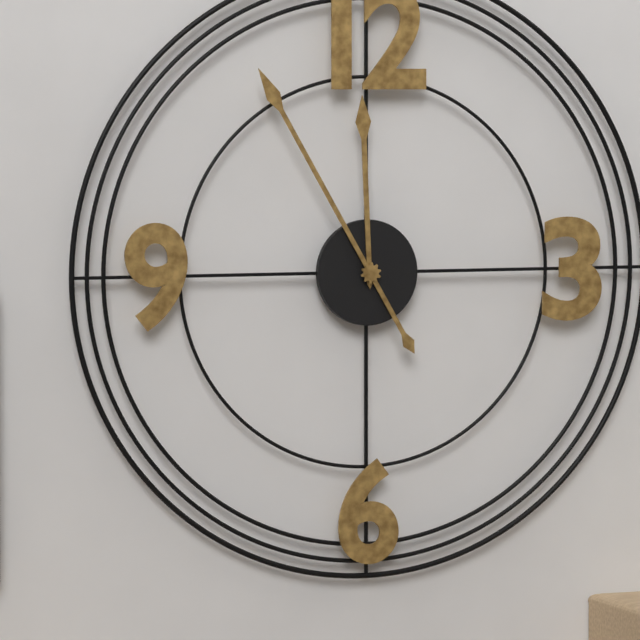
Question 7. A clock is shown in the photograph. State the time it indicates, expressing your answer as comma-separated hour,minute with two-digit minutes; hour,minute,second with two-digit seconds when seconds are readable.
11,55
